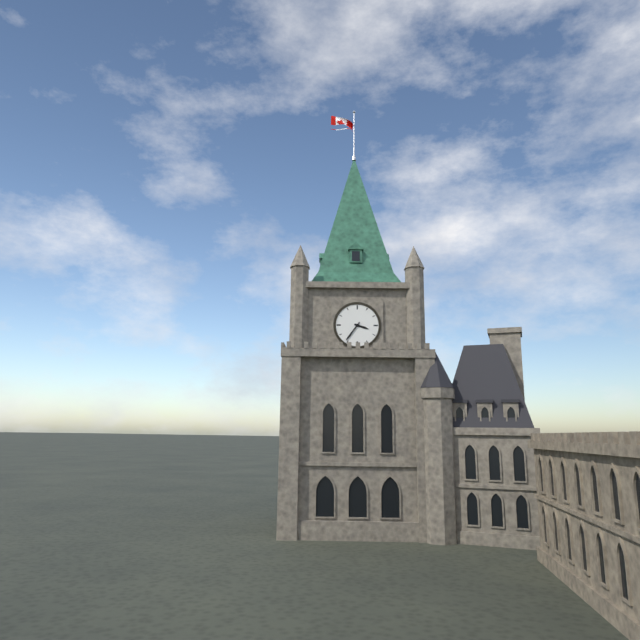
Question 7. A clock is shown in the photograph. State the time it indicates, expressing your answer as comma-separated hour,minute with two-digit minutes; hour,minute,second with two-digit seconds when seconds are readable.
3,36
